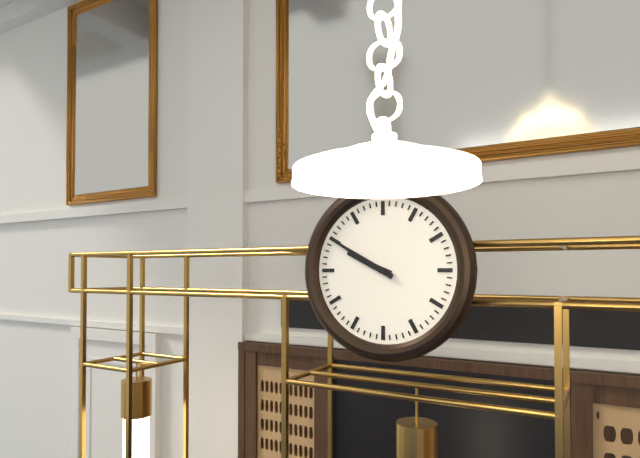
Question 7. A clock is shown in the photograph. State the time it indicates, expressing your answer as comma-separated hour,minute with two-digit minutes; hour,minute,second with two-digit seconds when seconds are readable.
9,50
